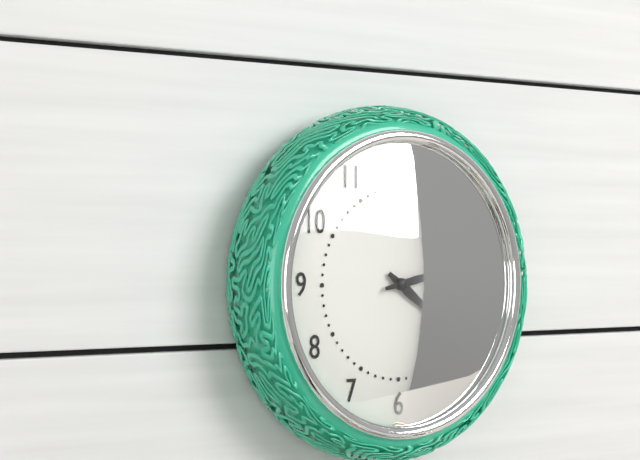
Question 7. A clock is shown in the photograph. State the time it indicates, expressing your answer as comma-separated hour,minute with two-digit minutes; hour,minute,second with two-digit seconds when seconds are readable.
4,13
